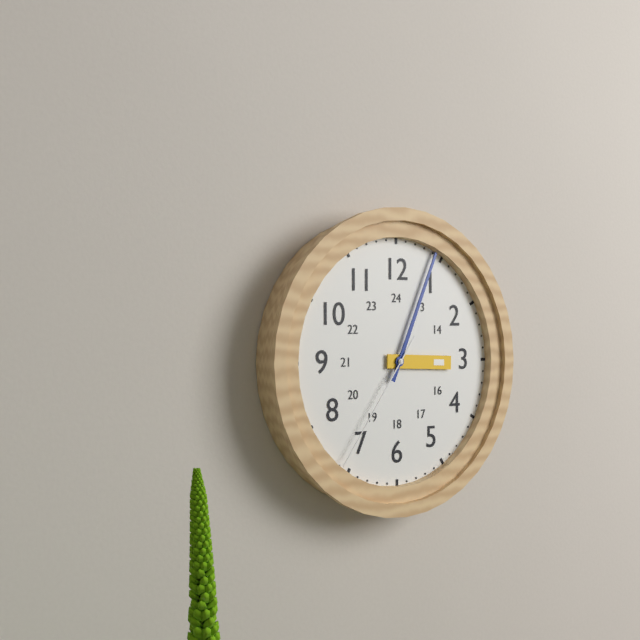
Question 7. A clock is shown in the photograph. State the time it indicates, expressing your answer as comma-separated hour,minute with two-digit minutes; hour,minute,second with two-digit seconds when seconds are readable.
3,04,36
